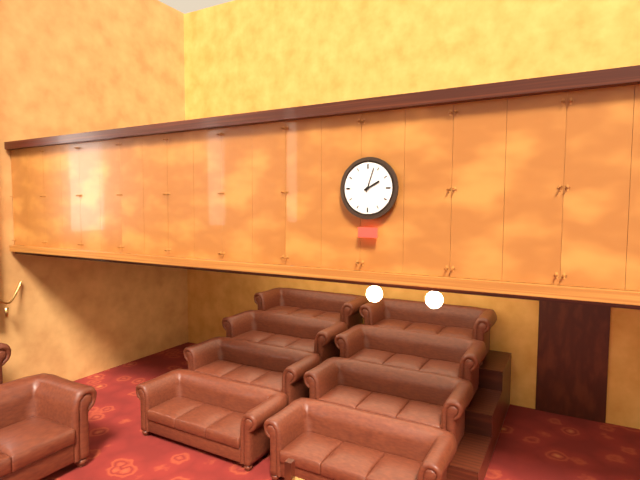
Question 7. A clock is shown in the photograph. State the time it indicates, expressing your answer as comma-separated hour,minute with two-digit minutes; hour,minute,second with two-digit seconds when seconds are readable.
2,03
